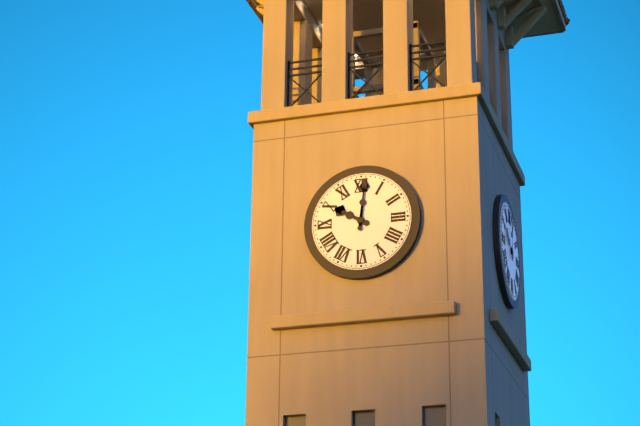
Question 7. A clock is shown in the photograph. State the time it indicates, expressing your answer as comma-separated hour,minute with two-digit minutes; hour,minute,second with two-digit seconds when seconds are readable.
10,01
